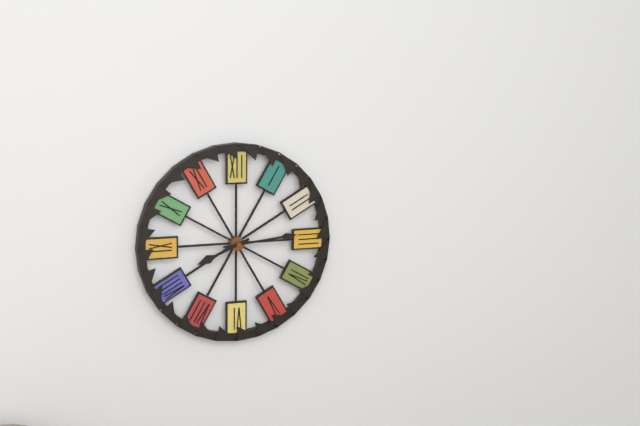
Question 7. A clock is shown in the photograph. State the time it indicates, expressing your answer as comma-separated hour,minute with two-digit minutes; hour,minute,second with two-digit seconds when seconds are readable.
8,14
